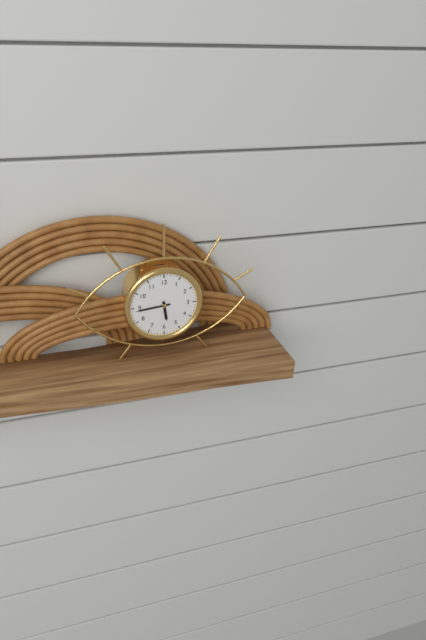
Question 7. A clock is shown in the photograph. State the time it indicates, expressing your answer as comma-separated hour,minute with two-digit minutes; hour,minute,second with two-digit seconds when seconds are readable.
5,44
